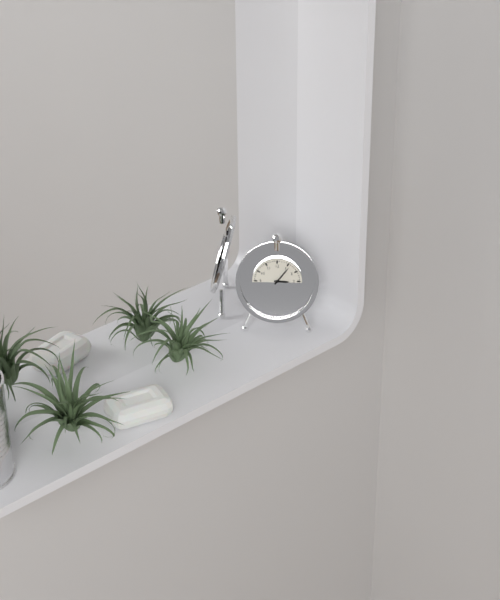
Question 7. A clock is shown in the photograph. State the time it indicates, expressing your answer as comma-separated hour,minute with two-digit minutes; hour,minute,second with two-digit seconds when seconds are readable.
3,06
